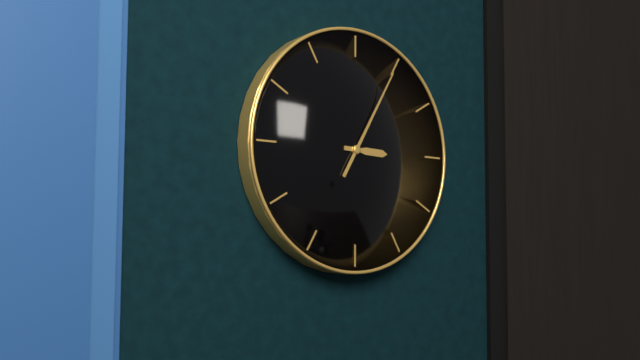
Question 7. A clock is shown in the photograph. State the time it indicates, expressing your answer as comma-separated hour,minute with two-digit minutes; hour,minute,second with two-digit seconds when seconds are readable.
3,05
